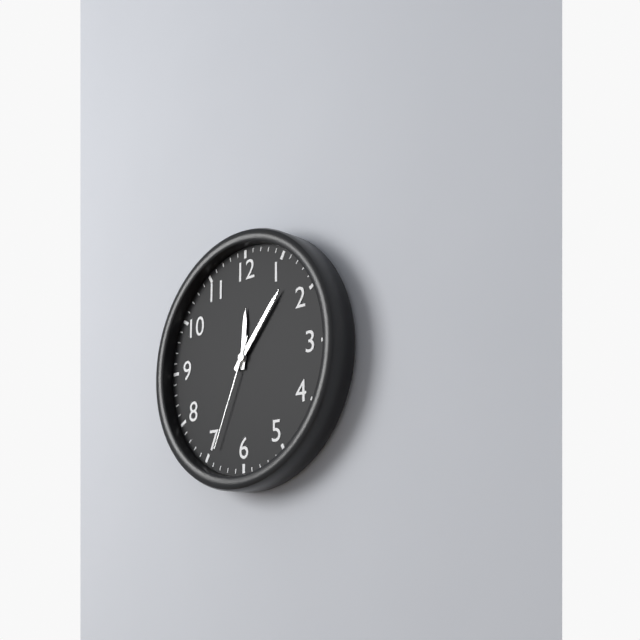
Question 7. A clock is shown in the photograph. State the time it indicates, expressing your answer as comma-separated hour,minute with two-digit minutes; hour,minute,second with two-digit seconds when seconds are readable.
12,07,34
